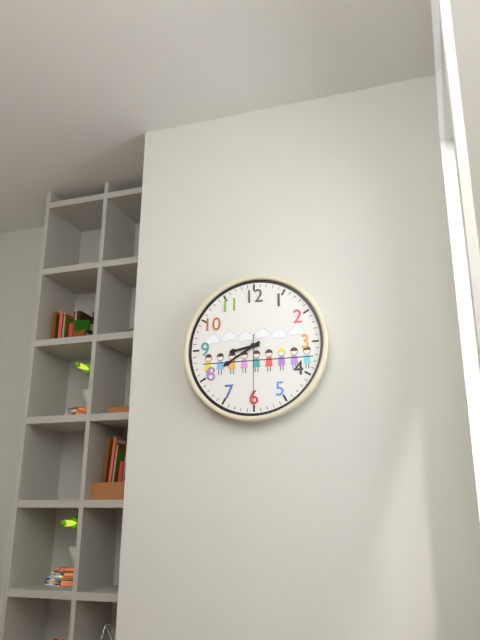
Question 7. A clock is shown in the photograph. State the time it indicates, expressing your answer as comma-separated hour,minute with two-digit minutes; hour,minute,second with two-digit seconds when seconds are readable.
8,40,30
